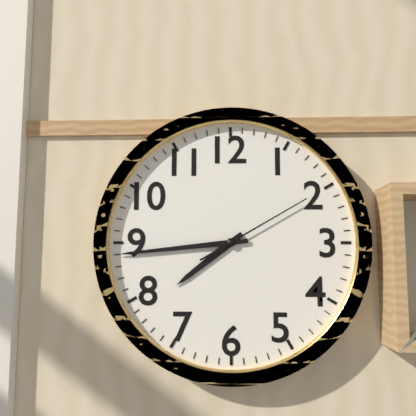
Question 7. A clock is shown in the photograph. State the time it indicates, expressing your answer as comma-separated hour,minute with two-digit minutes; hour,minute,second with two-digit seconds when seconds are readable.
7,44,10
